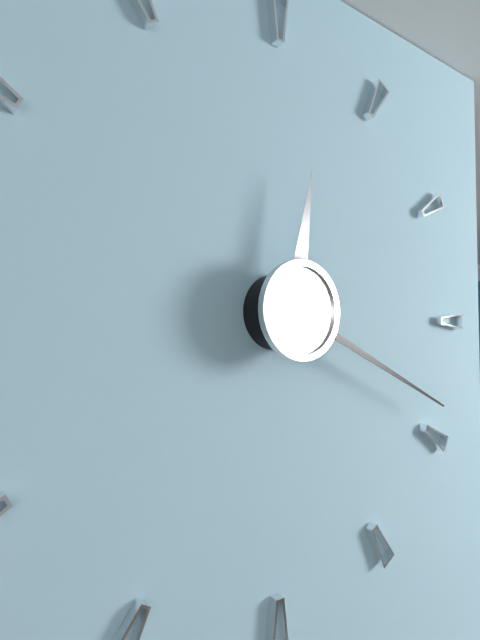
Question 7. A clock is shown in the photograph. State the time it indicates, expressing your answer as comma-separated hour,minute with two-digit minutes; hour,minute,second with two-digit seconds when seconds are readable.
12,19
